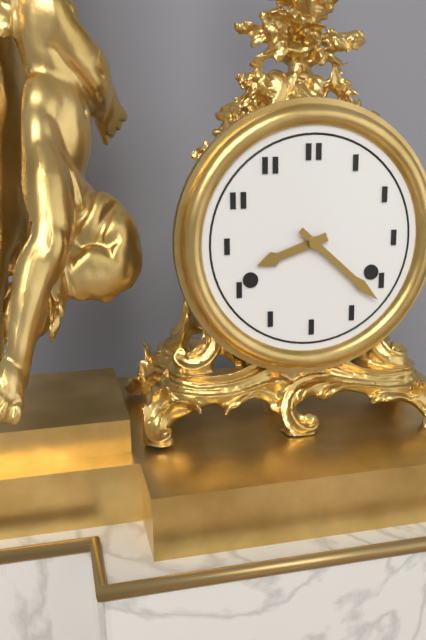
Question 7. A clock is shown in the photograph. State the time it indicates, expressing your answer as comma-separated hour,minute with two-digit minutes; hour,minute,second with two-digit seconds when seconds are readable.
8,22
